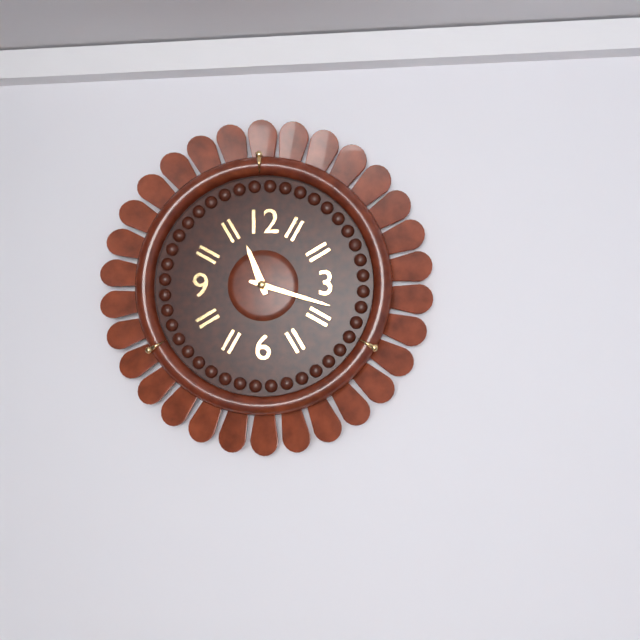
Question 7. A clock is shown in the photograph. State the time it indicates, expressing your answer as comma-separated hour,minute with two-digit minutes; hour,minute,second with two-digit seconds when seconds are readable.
11,18
